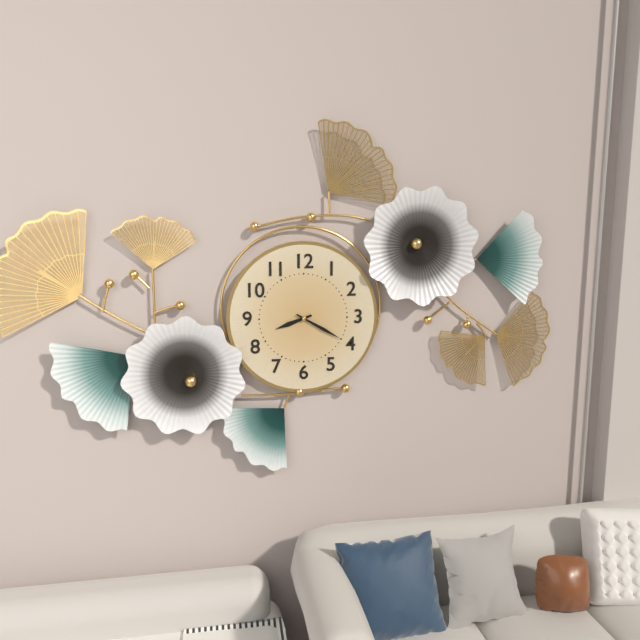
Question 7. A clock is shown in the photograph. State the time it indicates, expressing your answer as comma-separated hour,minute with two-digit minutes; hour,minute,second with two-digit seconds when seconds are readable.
8,20
